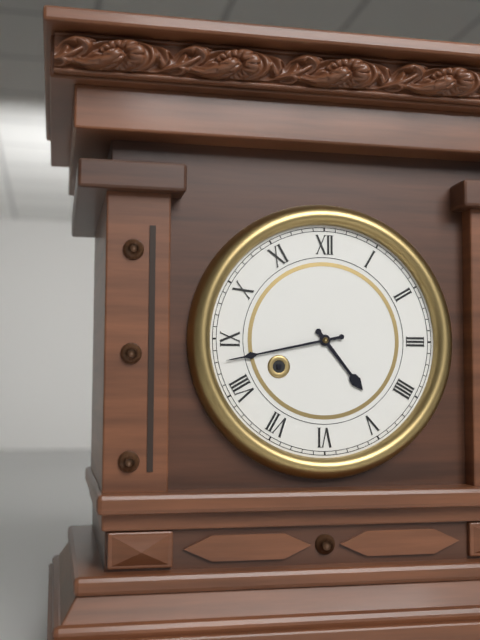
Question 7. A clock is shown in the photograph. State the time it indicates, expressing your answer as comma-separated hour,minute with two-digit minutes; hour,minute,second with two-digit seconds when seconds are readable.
4,43
